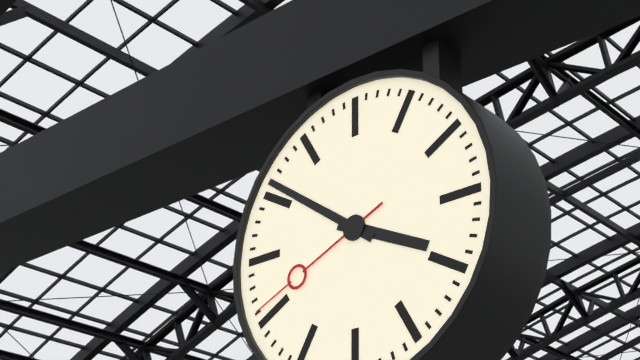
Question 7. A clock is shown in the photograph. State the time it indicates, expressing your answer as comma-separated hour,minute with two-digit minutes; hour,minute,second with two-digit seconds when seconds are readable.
3,51,41
